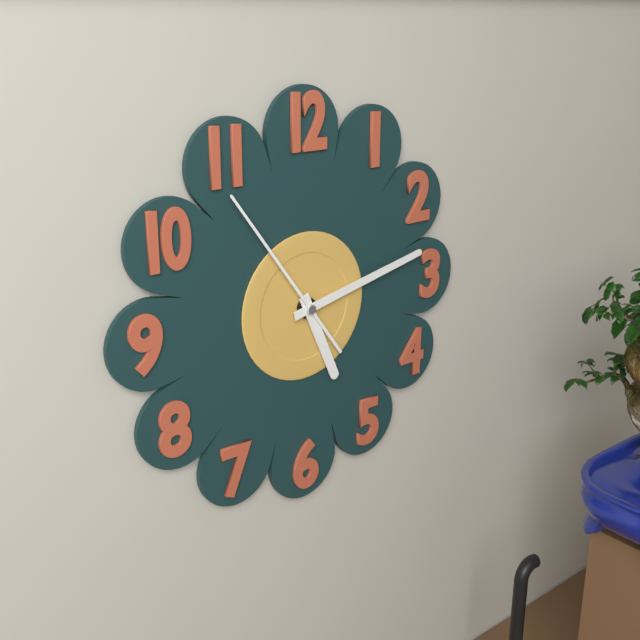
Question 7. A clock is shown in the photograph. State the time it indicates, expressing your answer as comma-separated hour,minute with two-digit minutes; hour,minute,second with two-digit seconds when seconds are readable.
5,13,54
